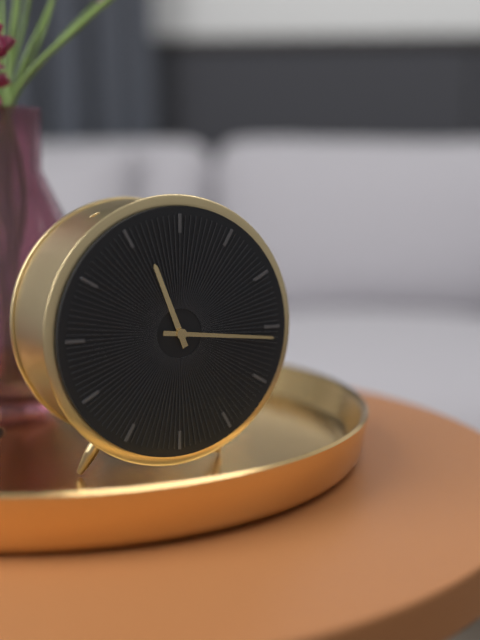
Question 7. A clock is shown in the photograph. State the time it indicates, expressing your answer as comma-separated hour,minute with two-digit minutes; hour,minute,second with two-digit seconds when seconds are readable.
11,16
